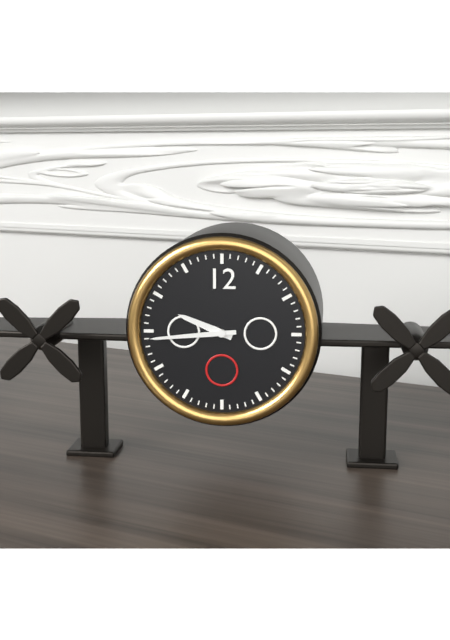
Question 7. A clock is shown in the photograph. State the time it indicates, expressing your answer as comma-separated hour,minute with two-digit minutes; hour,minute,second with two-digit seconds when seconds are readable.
9,44
